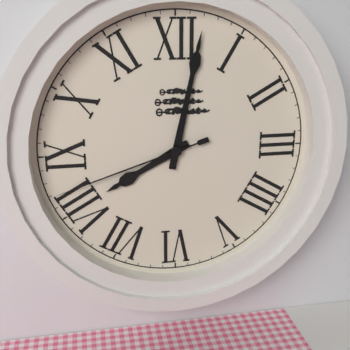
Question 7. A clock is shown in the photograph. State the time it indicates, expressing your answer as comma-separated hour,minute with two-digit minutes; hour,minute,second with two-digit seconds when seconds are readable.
8,02,42
